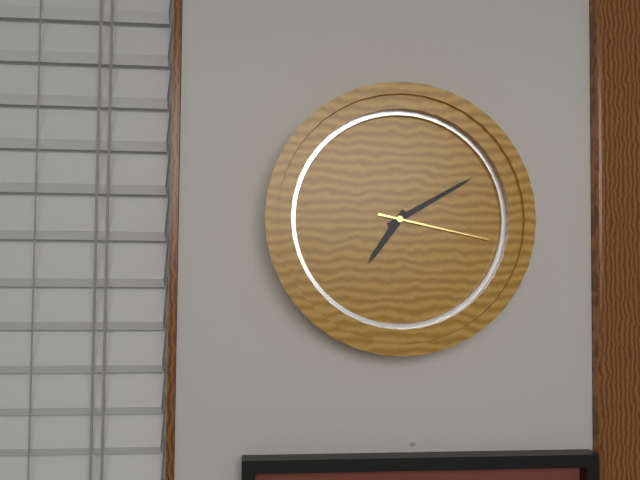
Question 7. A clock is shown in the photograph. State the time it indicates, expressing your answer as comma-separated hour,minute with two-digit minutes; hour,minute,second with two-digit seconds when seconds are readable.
7,10,17
